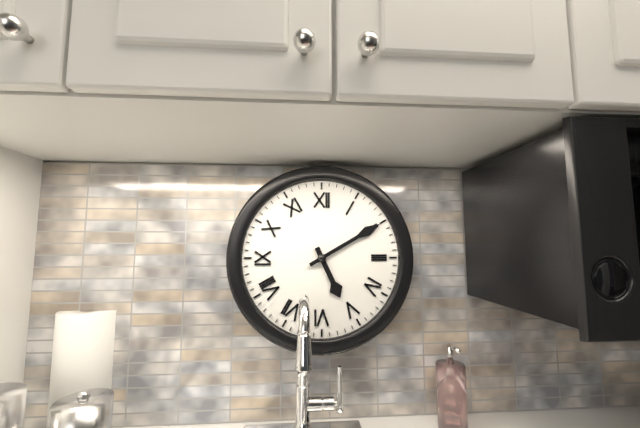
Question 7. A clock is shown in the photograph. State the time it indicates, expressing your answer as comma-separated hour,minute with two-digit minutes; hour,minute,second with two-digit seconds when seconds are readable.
5,10
